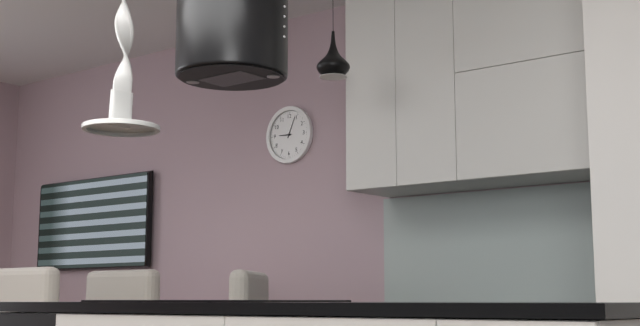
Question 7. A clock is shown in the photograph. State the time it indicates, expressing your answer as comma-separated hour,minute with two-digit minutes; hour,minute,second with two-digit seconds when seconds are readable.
9,04
